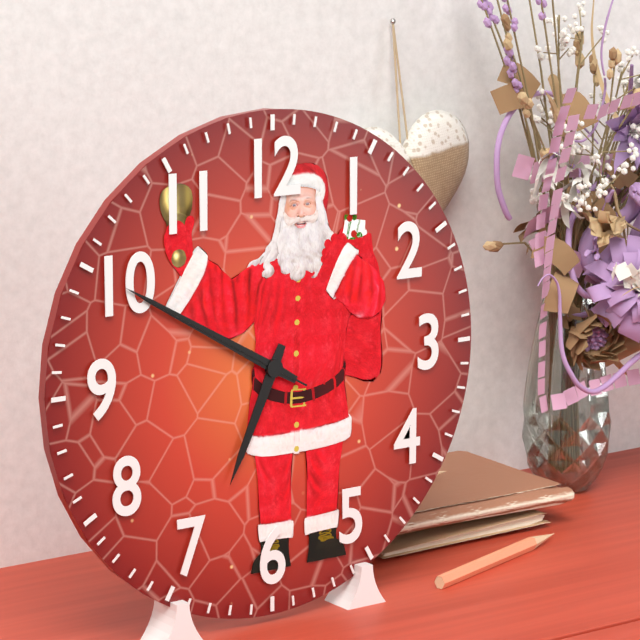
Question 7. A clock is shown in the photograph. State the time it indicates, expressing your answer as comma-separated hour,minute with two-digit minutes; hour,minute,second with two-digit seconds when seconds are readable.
6,50,50
